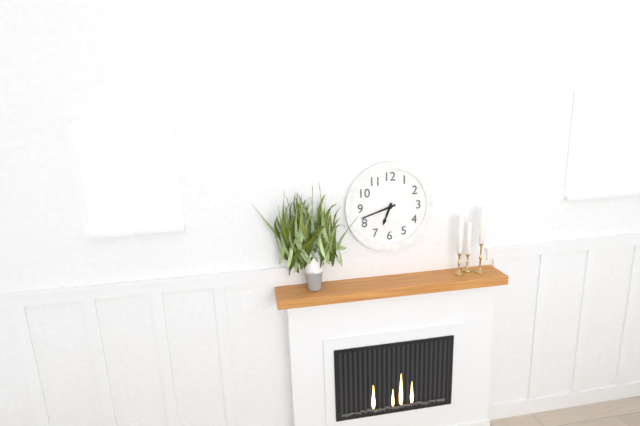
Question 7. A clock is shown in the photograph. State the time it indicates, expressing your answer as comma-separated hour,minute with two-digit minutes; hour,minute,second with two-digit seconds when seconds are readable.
6,42
